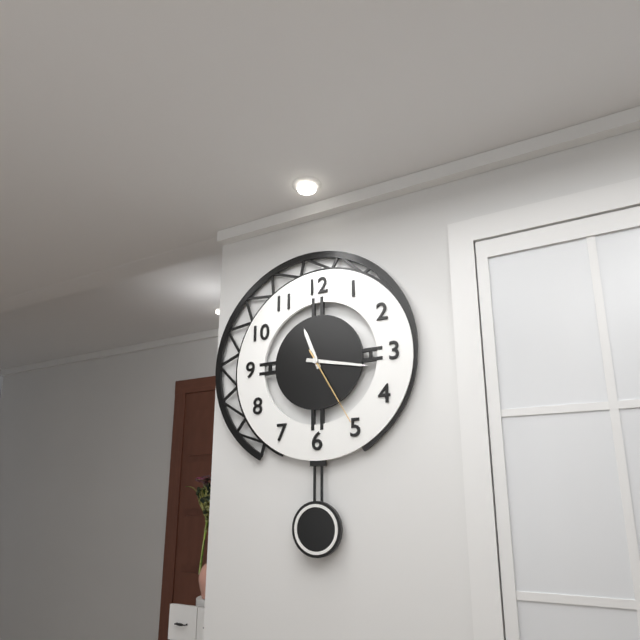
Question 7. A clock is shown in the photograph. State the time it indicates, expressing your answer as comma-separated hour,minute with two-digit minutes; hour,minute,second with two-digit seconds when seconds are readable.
11,17,25
